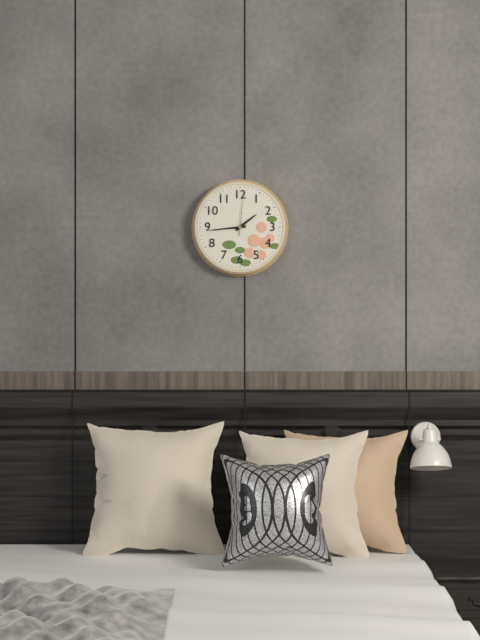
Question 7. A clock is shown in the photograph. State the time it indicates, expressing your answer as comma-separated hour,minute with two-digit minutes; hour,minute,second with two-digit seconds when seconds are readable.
1,44
